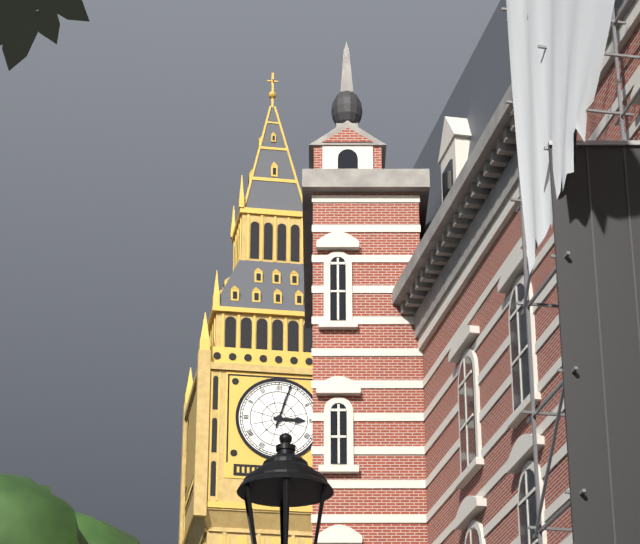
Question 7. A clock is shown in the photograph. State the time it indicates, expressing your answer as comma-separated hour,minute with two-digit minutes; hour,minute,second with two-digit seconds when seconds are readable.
3,03
